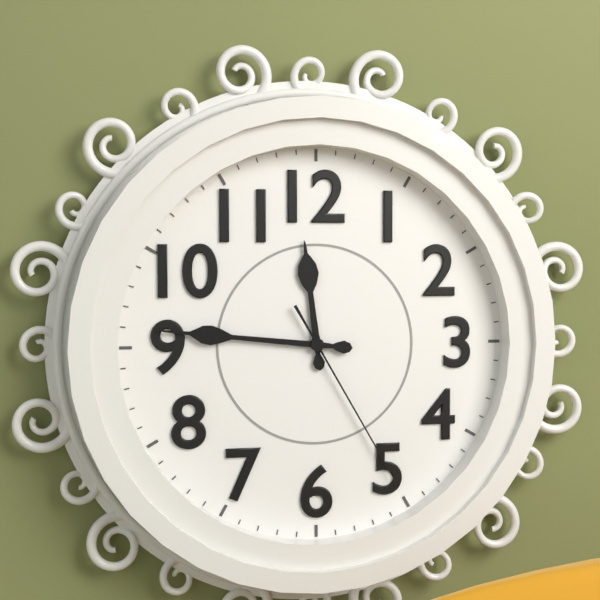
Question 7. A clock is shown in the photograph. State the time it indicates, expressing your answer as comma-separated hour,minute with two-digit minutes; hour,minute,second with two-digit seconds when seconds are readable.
11,46,25
